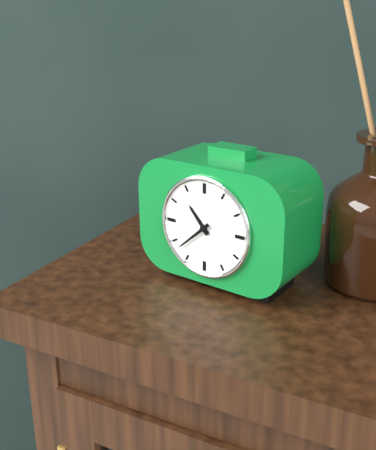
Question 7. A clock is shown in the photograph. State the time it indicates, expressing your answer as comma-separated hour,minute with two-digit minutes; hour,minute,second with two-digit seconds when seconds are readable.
10,38
